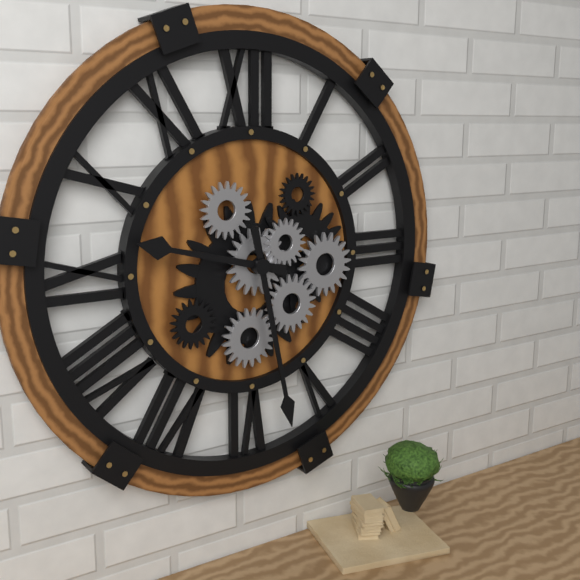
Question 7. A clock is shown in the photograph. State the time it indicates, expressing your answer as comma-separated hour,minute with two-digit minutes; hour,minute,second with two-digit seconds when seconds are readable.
9,28
